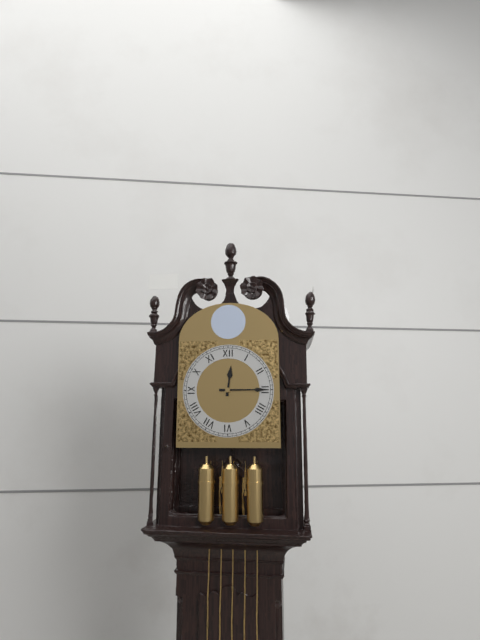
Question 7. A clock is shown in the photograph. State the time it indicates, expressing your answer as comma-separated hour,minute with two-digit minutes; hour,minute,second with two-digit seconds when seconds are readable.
12,15
